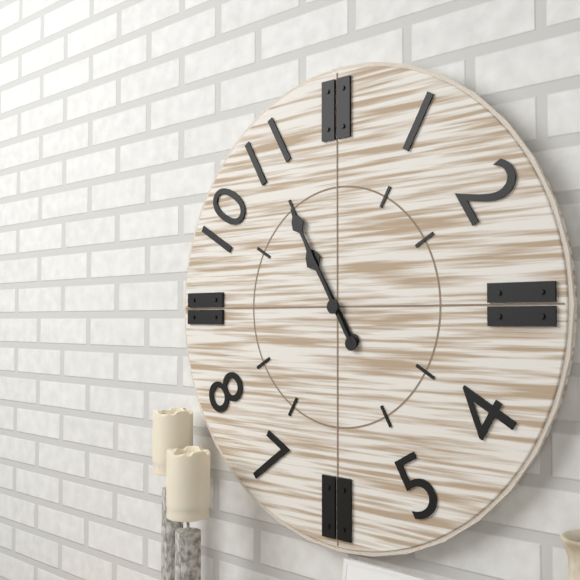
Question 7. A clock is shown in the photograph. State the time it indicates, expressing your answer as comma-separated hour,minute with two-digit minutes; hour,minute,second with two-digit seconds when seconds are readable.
10,55
